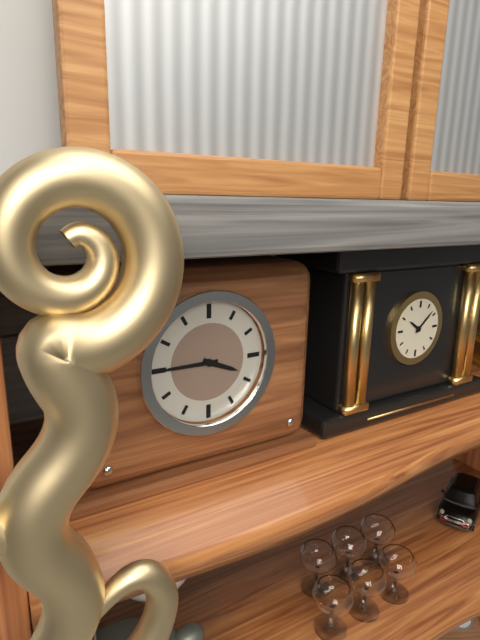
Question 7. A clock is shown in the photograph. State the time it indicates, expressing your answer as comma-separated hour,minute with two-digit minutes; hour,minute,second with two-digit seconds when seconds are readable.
3,45
